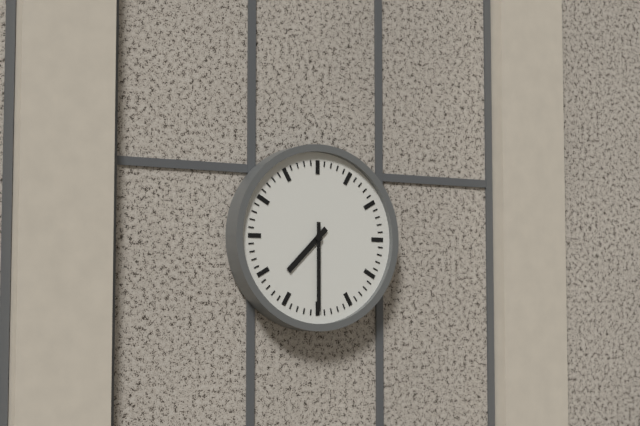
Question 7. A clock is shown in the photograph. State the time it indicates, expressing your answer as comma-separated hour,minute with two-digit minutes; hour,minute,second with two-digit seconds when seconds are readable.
7,30
